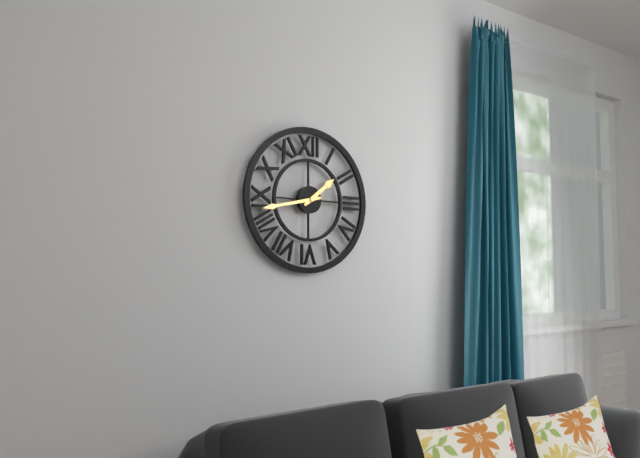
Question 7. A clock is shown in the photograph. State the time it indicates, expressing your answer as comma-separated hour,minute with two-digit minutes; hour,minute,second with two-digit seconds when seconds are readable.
1,43
